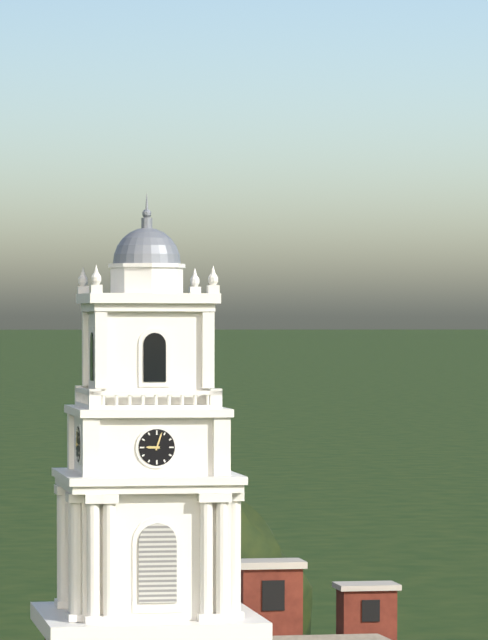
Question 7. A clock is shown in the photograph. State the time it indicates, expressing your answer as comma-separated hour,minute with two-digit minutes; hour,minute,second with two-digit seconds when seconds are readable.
9,03
